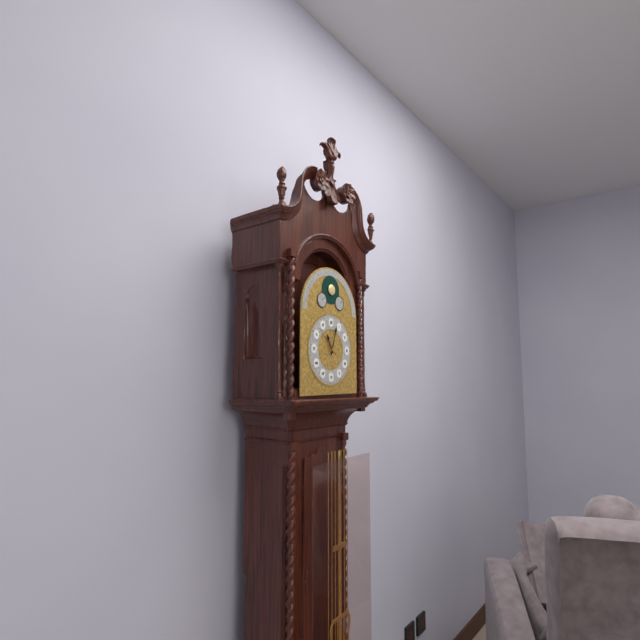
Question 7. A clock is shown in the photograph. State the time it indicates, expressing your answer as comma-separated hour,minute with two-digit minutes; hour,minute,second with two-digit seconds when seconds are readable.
11,03
